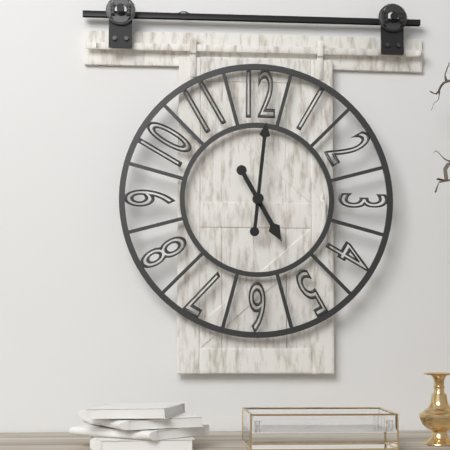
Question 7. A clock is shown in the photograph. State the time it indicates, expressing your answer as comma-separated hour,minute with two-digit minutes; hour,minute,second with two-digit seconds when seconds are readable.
5,01
